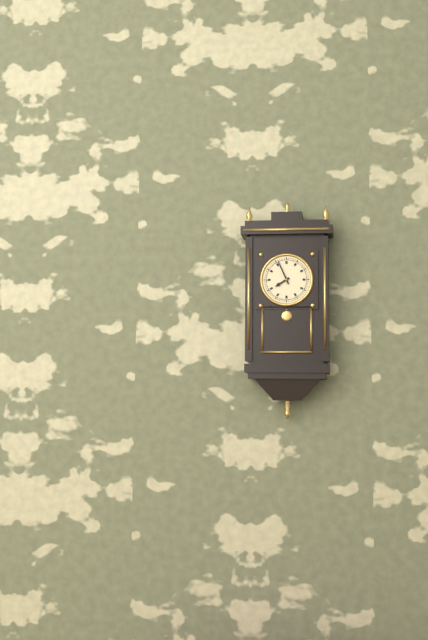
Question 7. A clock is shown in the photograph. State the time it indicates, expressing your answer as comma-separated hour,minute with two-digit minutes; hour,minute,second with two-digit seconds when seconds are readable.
7,56
